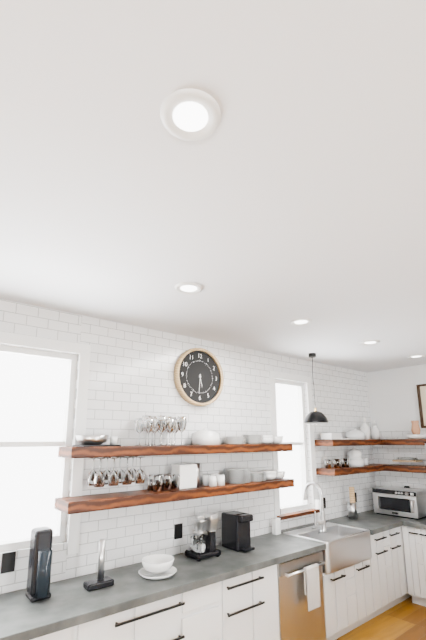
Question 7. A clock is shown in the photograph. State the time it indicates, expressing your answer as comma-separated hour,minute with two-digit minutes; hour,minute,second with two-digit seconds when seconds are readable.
5,31
